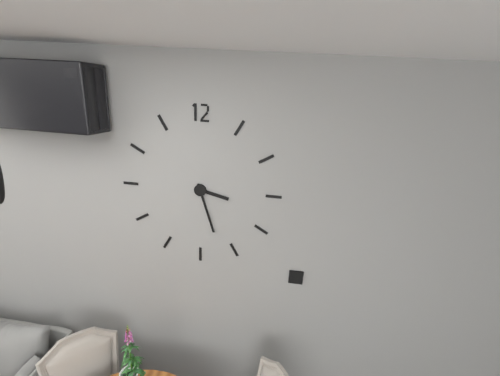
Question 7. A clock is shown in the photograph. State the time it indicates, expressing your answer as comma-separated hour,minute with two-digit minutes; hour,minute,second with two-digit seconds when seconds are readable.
3,27
